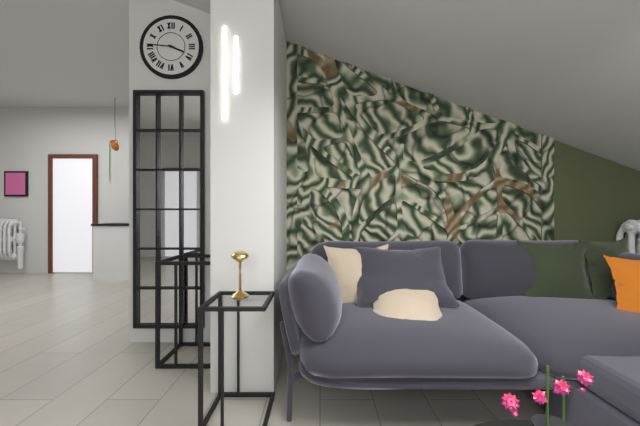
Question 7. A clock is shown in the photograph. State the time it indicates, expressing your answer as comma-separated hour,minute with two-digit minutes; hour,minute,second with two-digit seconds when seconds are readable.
3,46
